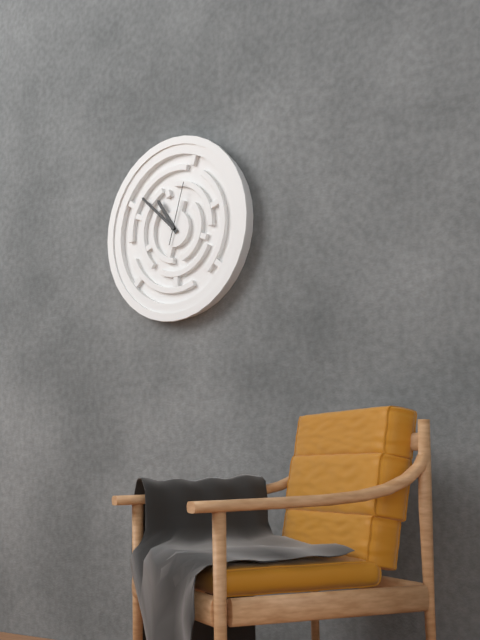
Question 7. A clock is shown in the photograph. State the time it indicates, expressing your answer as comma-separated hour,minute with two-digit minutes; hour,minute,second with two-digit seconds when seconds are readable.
10,52,03
